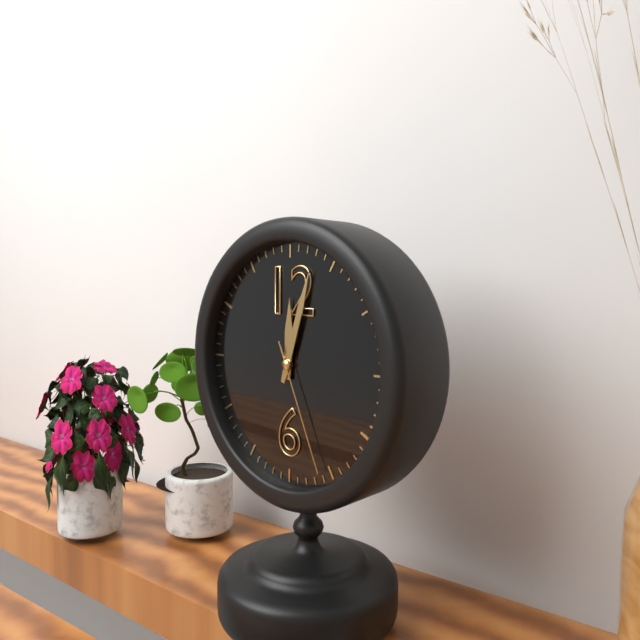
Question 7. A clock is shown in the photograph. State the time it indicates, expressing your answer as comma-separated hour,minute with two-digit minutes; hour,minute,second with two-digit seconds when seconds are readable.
12,03,26
